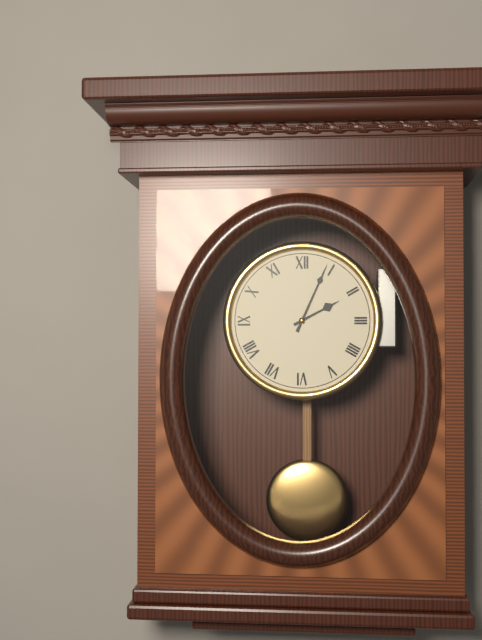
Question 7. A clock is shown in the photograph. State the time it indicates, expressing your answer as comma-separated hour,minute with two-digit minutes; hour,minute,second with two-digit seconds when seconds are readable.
2,04
